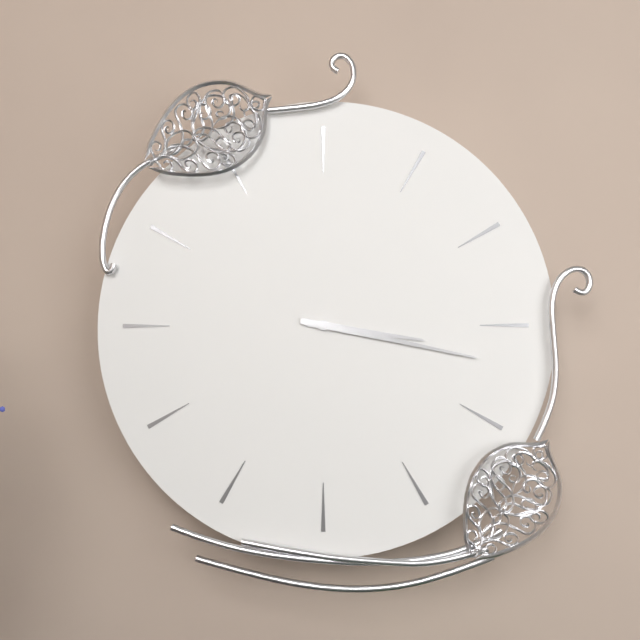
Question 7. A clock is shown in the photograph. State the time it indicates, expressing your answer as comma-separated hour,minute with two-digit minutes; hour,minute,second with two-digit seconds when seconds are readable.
3,17
